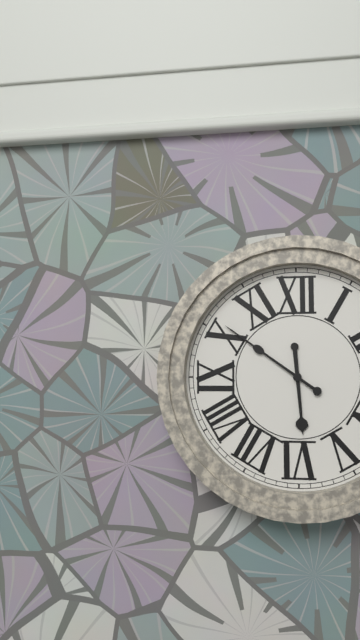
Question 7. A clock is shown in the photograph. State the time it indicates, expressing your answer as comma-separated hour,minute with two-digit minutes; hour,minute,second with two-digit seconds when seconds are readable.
5,51
